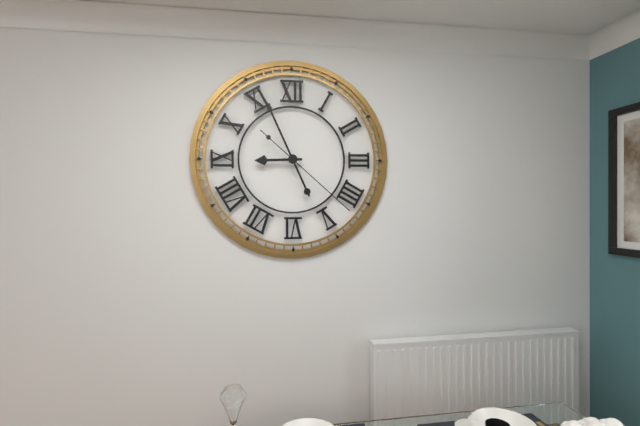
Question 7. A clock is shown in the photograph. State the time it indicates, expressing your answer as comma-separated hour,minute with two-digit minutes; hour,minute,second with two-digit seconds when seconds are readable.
8,56,22
